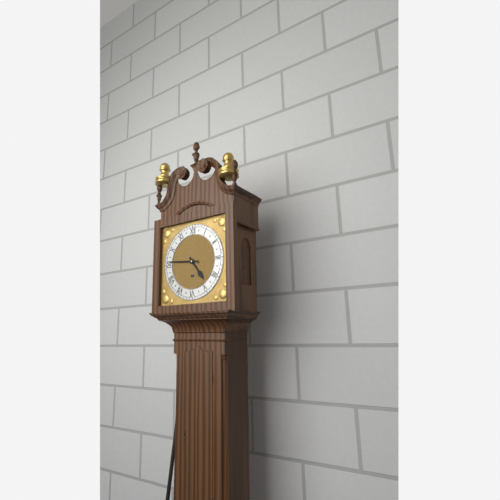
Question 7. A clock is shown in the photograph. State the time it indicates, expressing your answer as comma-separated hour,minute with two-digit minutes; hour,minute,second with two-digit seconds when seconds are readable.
4,46
